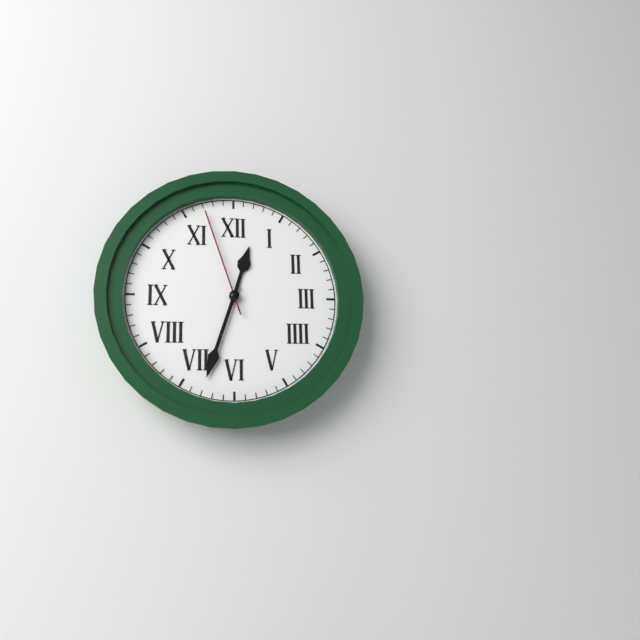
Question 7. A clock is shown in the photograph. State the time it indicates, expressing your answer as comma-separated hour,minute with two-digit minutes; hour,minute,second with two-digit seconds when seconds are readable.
12,33,57
